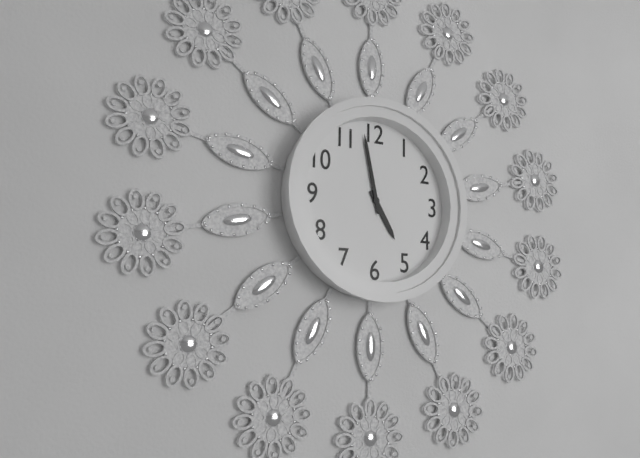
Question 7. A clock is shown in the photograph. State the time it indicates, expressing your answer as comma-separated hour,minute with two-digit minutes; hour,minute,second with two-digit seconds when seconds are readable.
4,58
